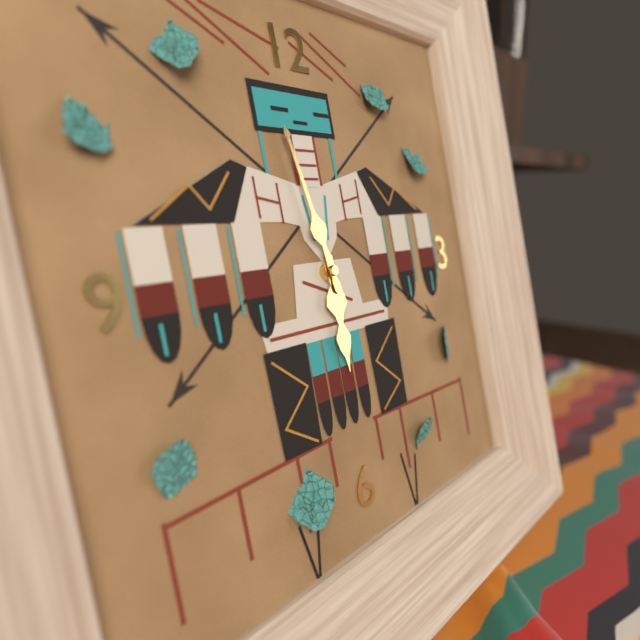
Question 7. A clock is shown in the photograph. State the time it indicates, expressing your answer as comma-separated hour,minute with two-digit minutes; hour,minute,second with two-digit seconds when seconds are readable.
5,58
